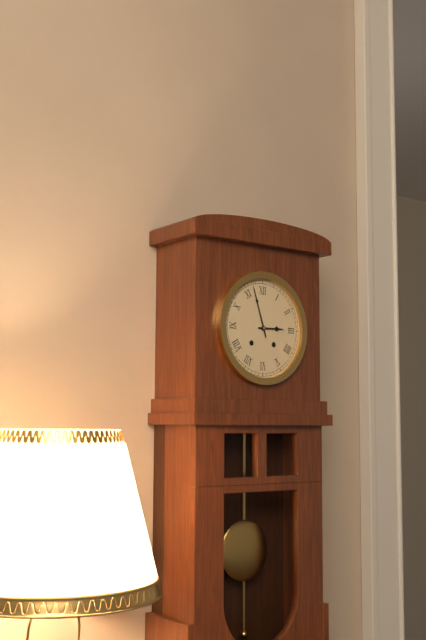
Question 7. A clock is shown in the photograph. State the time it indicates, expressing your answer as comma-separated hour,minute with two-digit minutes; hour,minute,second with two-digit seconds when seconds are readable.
2,57
